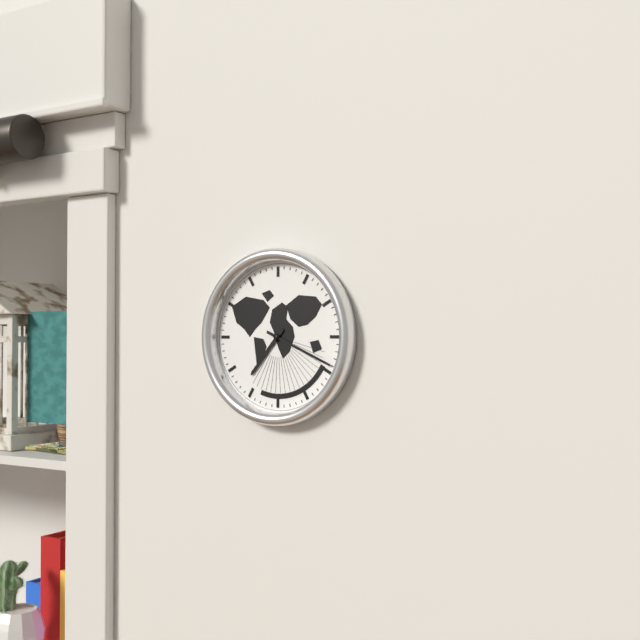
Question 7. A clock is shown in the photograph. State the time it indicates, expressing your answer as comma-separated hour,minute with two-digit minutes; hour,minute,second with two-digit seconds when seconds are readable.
7,19
